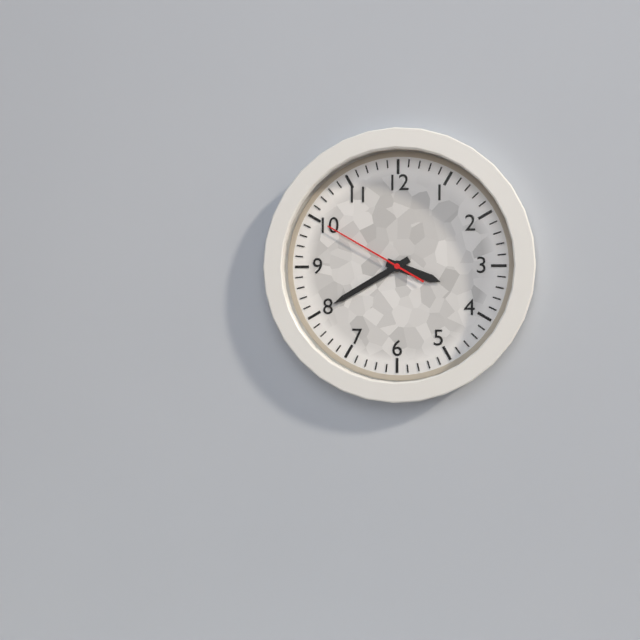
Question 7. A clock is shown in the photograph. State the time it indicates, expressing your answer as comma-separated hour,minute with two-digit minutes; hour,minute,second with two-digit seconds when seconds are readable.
3,40,50
